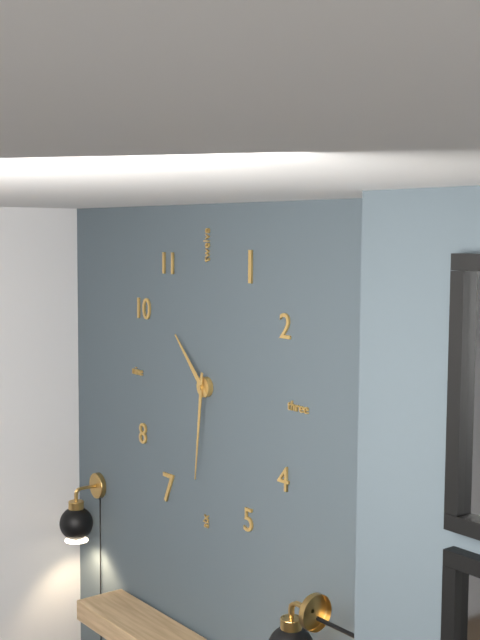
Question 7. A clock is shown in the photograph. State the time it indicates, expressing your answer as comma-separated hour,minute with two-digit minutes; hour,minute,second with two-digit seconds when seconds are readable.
10,31
